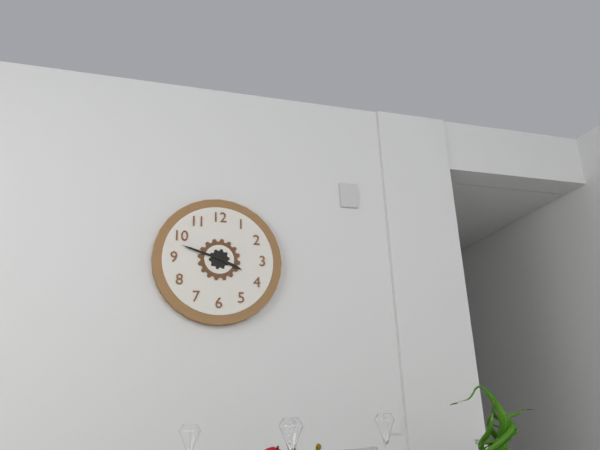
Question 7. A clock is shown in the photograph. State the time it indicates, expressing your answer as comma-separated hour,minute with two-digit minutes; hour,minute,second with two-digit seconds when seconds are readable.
3,48
